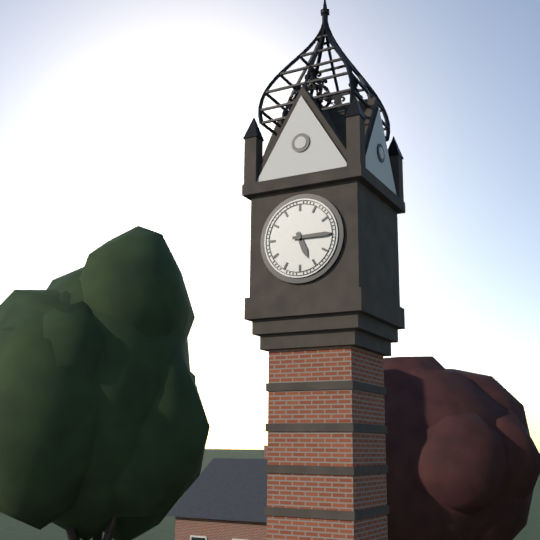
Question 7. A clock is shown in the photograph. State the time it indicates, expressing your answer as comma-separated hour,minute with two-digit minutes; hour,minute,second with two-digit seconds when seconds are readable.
5,15
